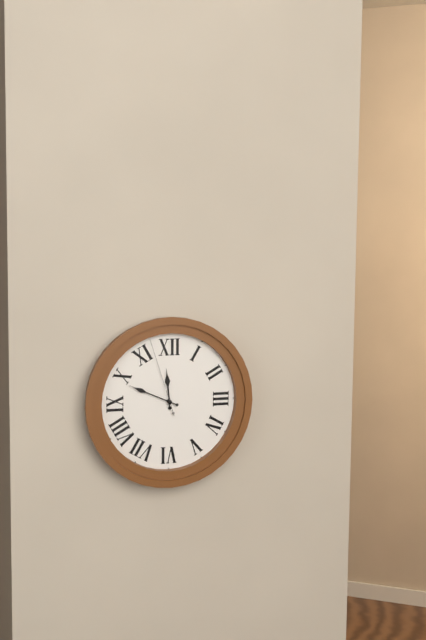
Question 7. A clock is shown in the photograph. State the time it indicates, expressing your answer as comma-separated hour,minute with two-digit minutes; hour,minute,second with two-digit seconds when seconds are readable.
11,49,57
